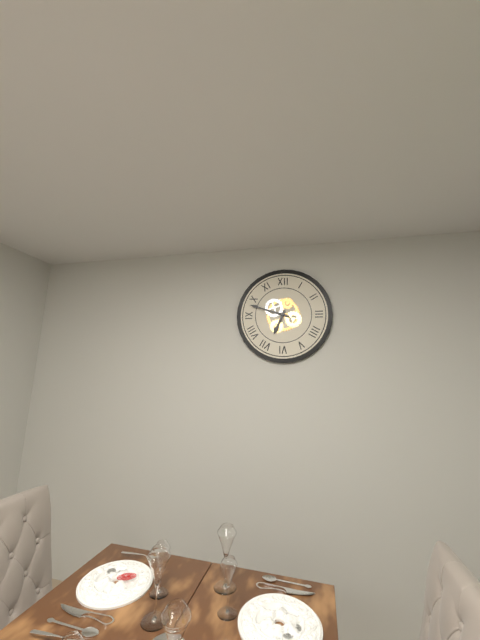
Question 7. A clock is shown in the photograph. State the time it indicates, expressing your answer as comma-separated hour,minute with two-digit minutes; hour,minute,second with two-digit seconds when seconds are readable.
6,48
